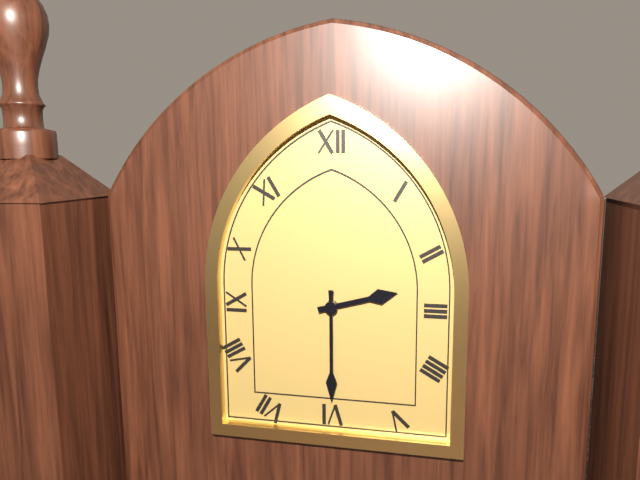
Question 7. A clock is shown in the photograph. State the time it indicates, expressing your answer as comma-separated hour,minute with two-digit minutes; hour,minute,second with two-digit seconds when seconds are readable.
2,30
